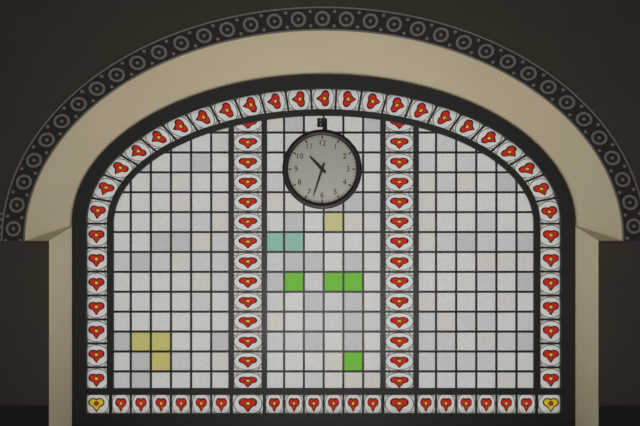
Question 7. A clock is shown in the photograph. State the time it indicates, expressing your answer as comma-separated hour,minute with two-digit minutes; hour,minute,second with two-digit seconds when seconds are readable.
10,33
